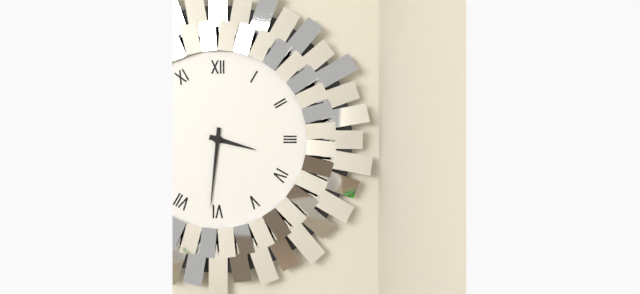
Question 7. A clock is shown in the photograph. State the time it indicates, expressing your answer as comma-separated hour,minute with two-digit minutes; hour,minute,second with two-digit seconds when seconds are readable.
3,31
